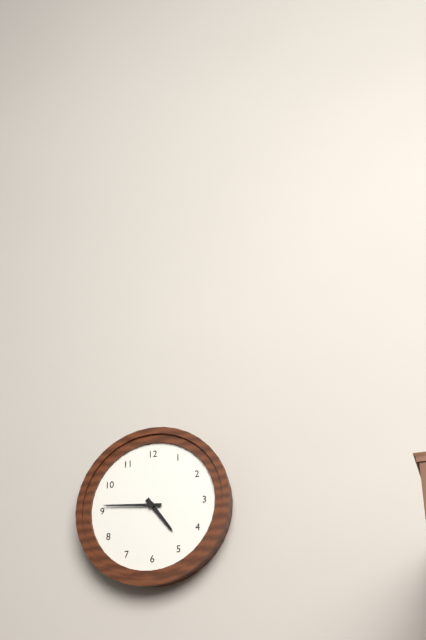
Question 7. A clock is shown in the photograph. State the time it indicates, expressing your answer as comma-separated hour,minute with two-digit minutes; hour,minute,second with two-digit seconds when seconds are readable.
4,46
